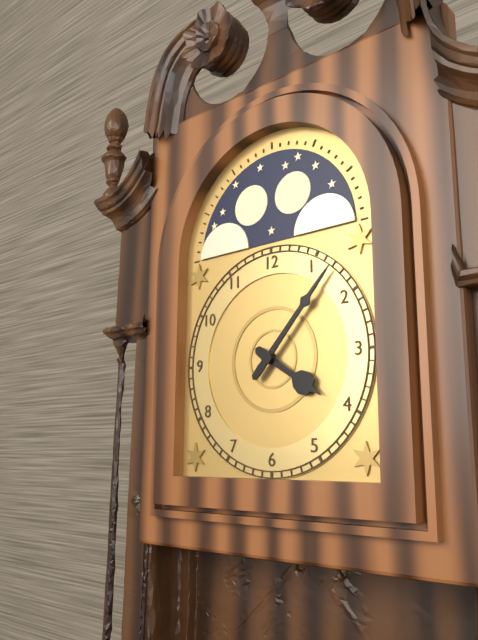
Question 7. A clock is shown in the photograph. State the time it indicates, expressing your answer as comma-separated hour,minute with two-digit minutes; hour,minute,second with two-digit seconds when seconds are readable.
4,07
